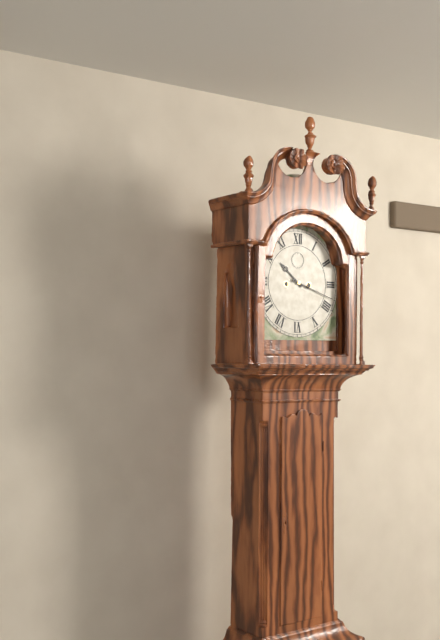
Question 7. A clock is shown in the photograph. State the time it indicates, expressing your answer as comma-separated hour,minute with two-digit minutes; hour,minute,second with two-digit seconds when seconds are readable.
10,18
